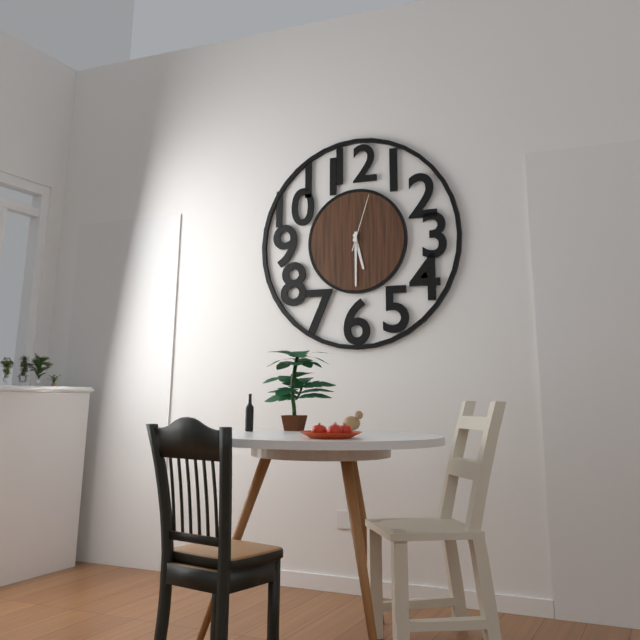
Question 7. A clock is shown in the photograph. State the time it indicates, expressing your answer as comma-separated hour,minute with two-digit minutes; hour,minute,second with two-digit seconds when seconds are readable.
5,30,03
